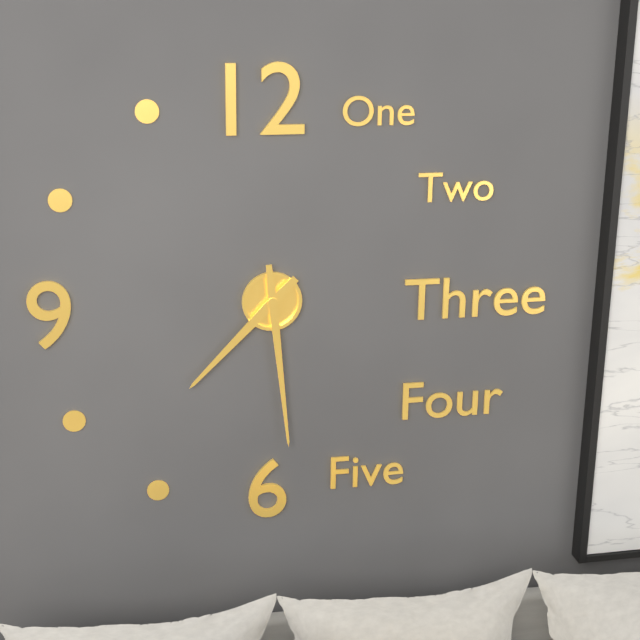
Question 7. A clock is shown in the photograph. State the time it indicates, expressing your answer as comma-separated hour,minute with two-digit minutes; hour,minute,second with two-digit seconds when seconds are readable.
7,29
